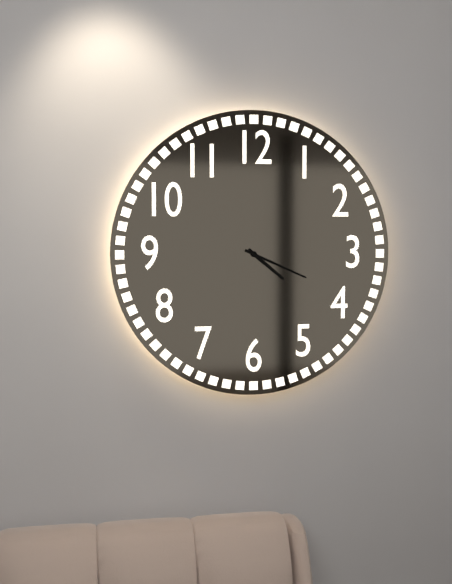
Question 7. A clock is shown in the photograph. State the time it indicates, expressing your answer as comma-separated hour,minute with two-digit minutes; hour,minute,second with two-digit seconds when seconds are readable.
4,19
